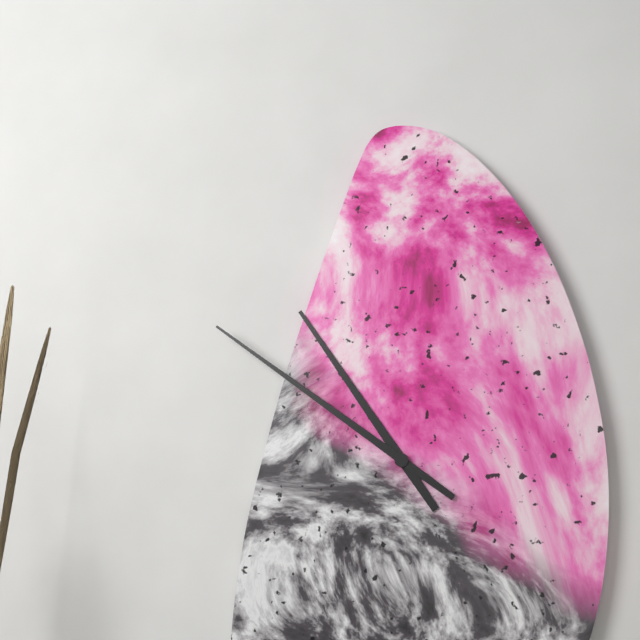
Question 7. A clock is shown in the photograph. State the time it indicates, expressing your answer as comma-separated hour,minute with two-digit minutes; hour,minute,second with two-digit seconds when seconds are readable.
10,51
